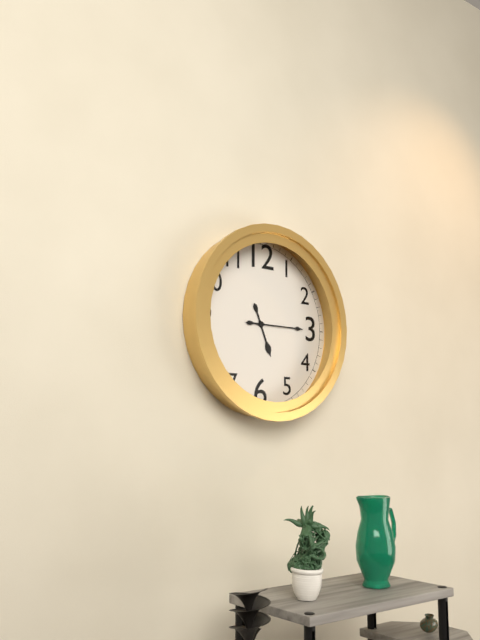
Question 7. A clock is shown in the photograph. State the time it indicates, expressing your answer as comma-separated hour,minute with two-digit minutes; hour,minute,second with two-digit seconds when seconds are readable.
5,15
